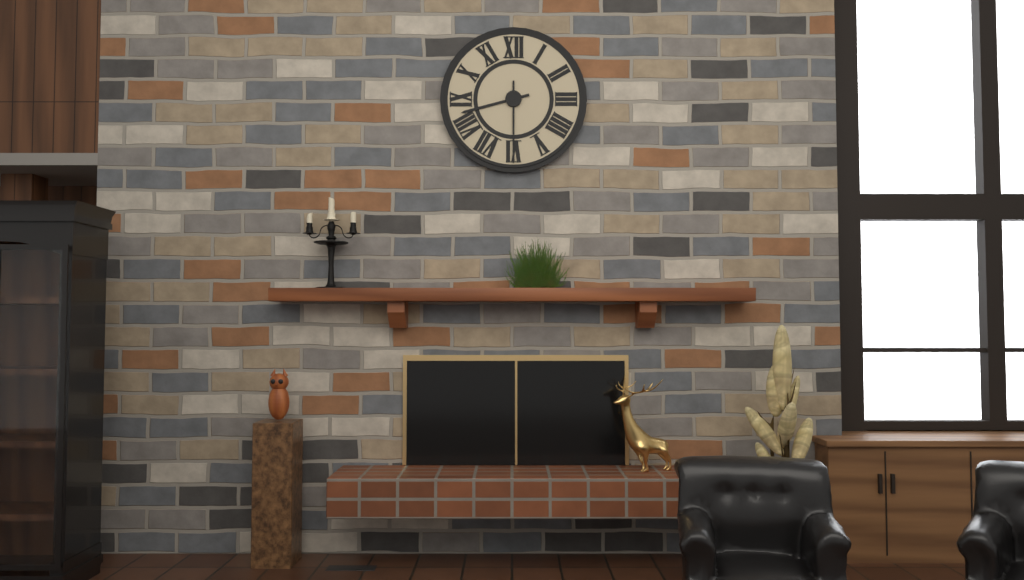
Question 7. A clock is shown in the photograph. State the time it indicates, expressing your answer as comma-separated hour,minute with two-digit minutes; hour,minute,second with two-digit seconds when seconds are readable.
8,30
